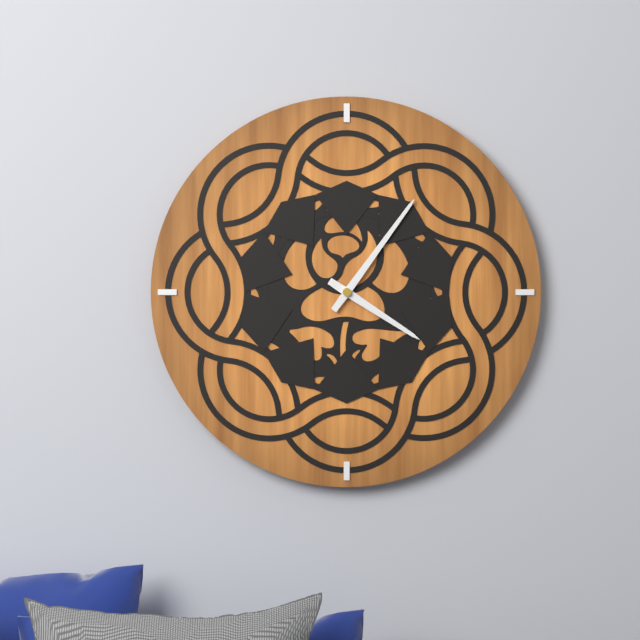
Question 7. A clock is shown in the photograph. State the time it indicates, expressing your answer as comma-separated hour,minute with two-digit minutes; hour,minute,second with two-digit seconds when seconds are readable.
4,06
